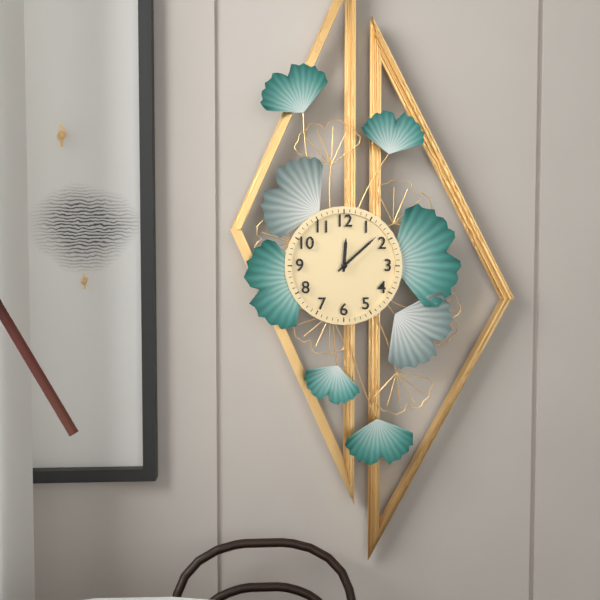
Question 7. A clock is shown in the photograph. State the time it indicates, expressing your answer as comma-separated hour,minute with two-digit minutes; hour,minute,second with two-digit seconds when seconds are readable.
12,08
